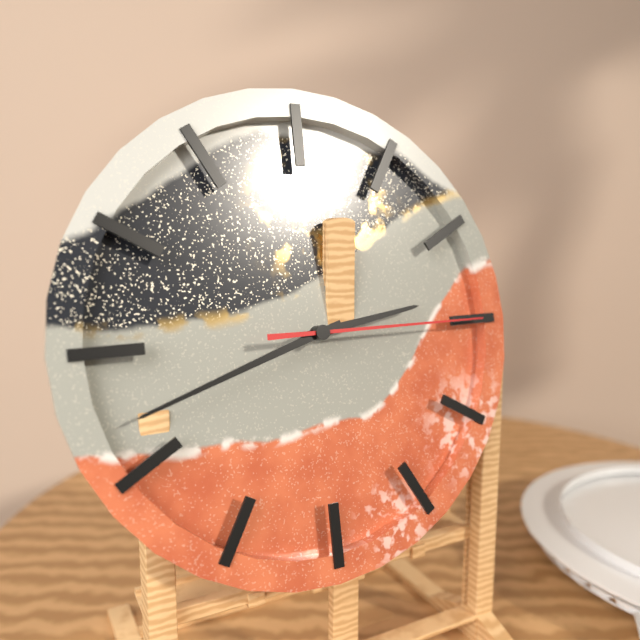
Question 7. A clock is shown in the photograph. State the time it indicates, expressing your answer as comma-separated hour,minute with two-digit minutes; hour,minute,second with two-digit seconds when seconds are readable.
2,42,15
